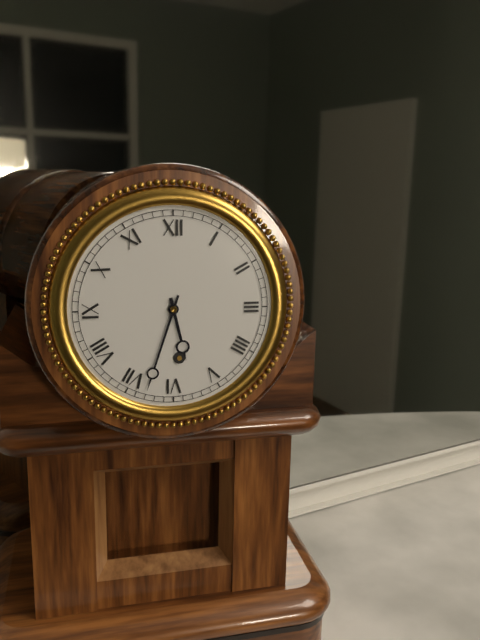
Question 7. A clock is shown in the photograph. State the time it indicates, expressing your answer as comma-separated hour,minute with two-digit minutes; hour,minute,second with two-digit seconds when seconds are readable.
5,33
